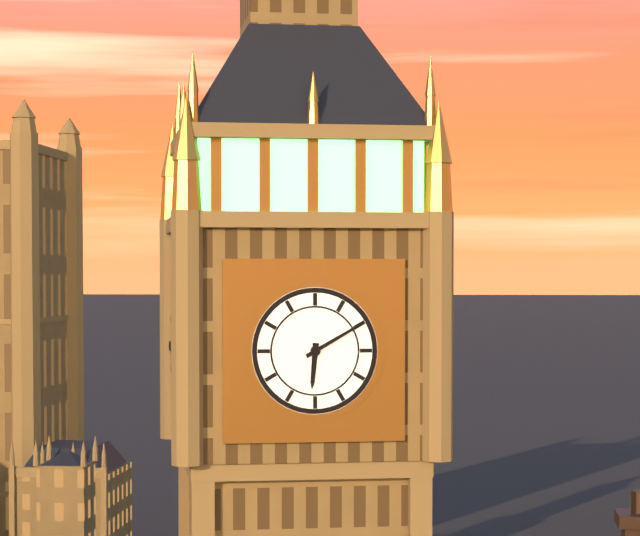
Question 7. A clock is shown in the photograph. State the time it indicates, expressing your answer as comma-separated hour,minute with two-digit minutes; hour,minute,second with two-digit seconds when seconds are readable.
6,10
